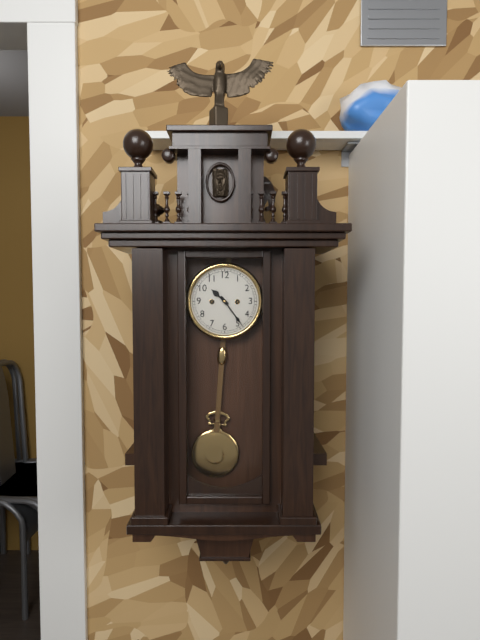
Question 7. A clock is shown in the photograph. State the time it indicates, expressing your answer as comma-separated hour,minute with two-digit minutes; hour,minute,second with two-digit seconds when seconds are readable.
10,24
